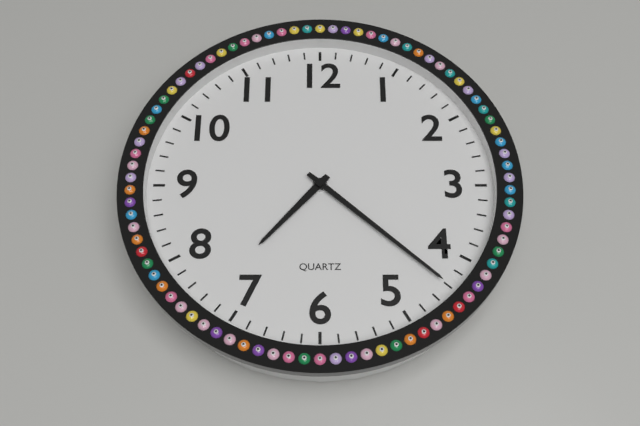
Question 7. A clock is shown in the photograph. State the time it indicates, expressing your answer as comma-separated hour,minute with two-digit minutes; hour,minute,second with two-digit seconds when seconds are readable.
7,22
